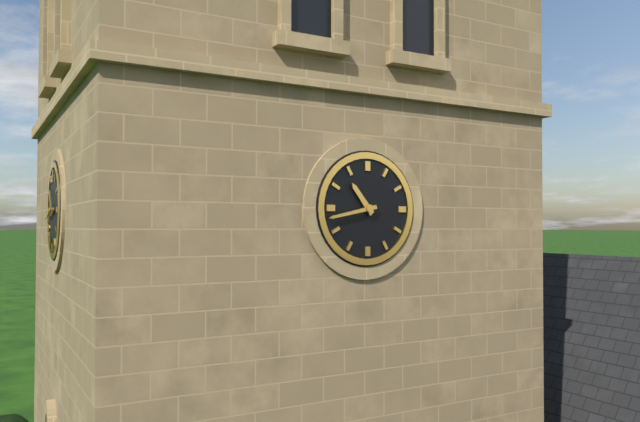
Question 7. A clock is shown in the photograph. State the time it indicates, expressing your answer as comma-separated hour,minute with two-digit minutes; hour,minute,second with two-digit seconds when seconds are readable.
10,43
